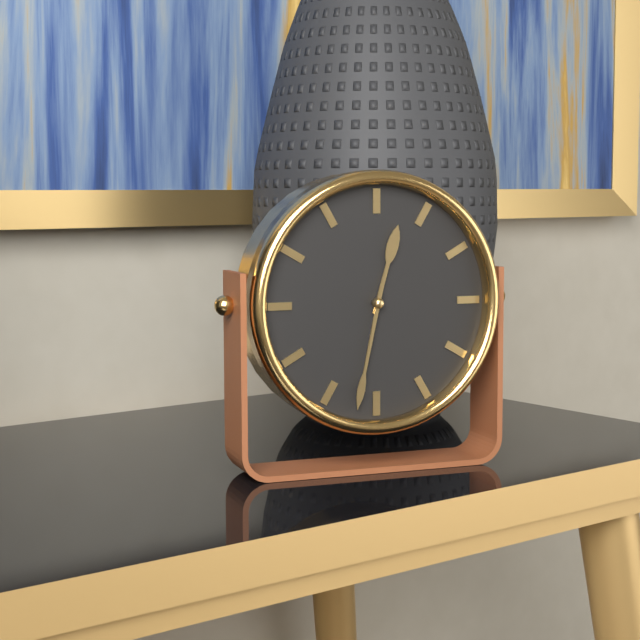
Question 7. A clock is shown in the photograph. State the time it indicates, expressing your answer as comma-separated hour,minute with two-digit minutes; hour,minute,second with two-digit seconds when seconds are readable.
12,32
